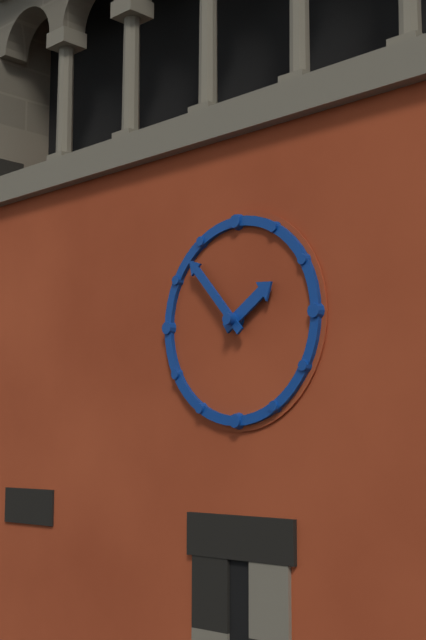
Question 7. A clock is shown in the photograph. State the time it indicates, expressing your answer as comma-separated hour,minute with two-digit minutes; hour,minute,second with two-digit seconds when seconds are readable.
1,53
